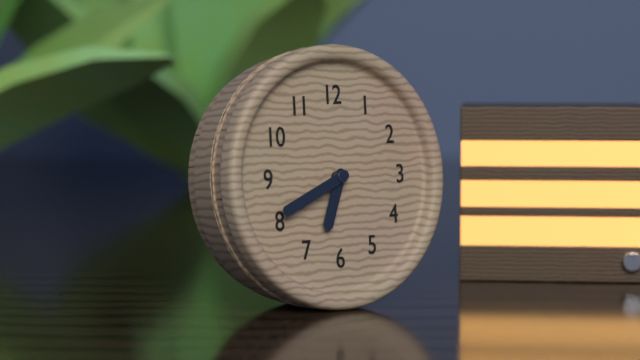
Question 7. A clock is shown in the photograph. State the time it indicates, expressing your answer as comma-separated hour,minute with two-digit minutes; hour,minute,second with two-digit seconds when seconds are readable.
6,41
